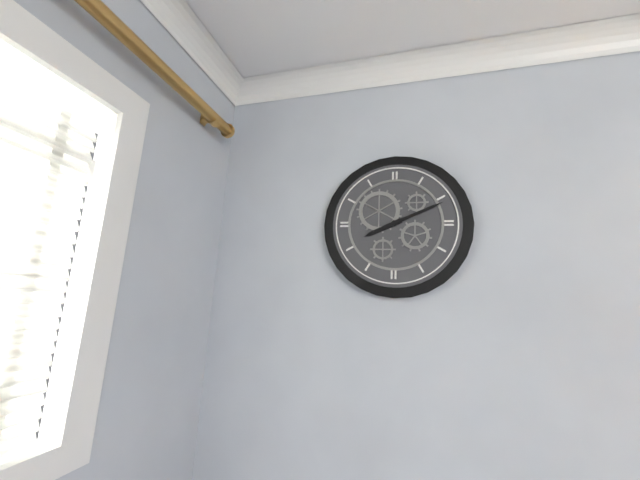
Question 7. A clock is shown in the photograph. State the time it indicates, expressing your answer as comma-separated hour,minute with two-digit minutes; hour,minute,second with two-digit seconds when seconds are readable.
8,11
